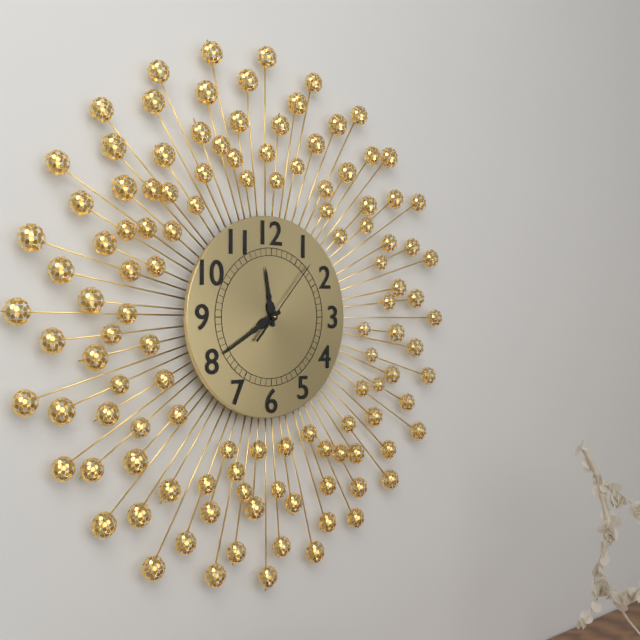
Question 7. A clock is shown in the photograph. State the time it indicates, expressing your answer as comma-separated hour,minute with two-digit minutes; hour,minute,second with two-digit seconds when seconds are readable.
11,40,07
